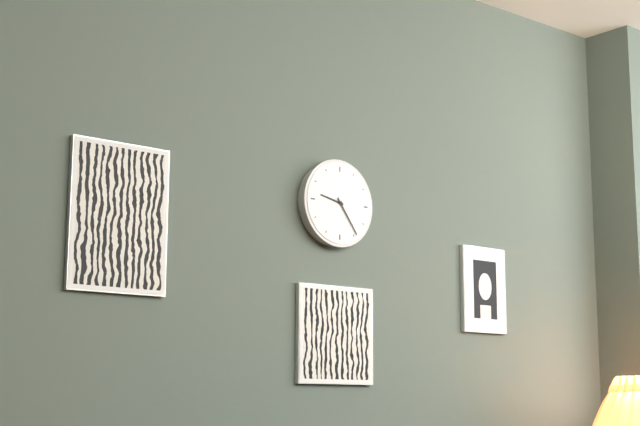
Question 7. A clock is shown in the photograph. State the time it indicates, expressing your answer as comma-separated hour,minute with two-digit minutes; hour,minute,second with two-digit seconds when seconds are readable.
9,24
